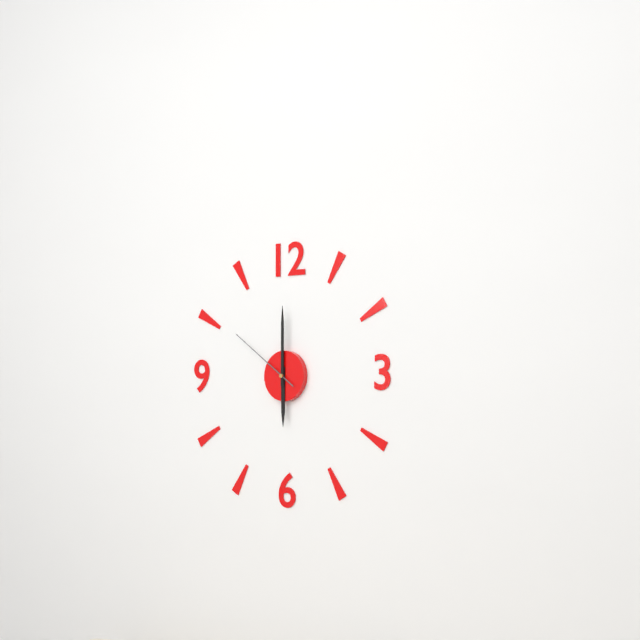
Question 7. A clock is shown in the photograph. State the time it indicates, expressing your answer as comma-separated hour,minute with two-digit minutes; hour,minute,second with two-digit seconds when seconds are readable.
6,00,51
